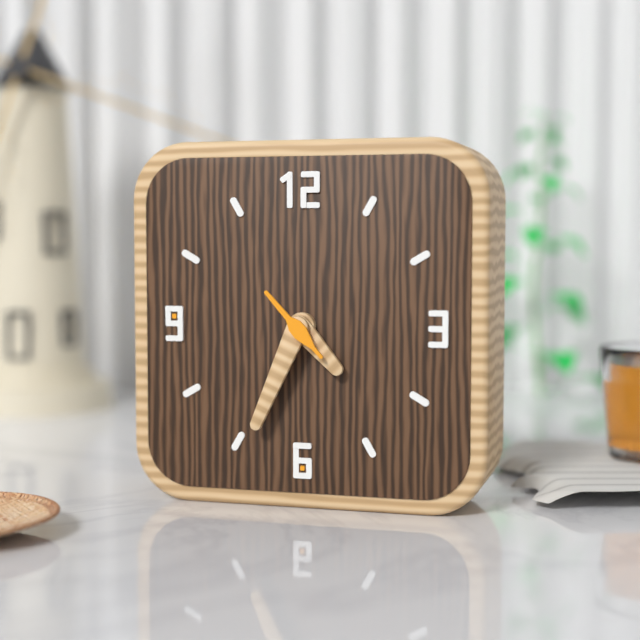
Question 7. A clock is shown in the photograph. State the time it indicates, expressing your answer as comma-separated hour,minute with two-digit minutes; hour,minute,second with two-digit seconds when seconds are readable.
4,34,53
